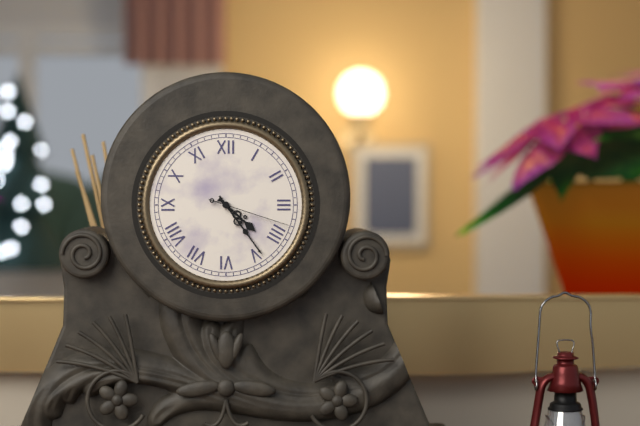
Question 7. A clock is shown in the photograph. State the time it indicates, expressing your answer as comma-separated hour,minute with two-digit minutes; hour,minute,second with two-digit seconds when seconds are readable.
4,24,18
